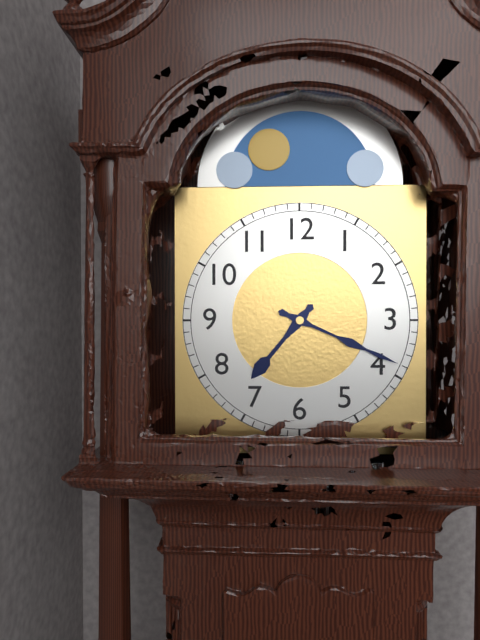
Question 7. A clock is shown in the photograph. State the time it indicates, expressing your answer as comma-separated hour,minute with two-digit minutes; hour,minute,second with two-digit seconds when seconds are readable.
7,19
